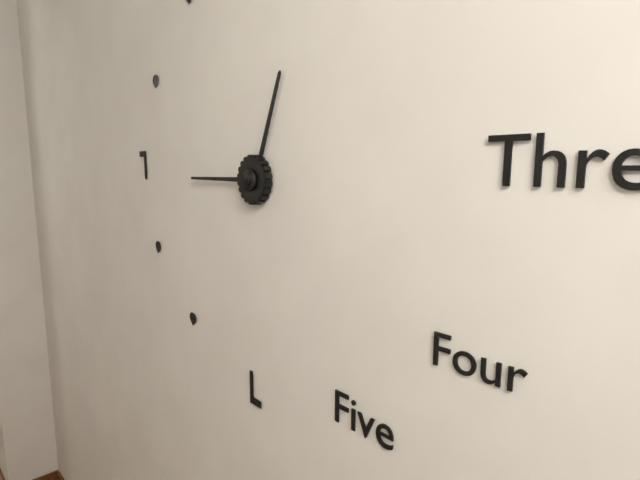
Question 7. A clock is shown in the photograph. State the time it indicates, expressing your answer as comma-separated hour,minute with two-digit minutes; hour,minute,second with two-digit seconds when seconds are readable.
12,45
